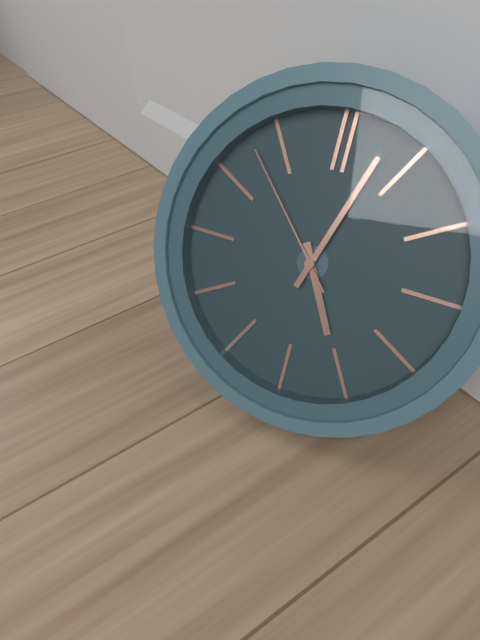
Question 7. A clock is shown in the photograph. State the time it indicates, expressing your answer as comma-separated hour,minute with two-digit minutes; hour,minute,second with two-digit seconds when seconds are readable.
5,03,53
